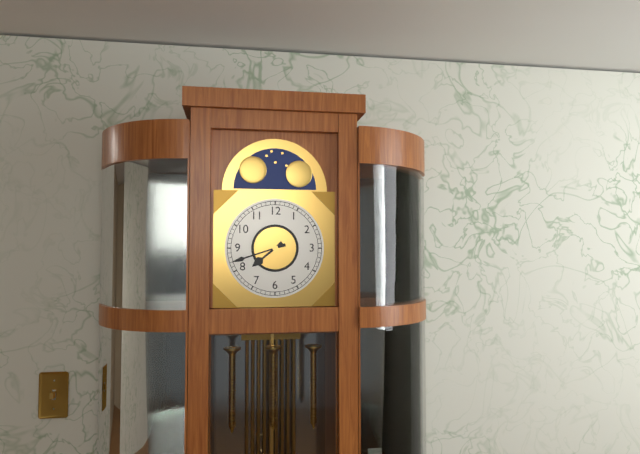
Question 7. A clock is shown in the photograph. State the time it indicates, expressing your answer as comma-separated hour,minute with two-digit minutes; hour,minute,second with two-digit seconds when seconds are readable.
7,42
